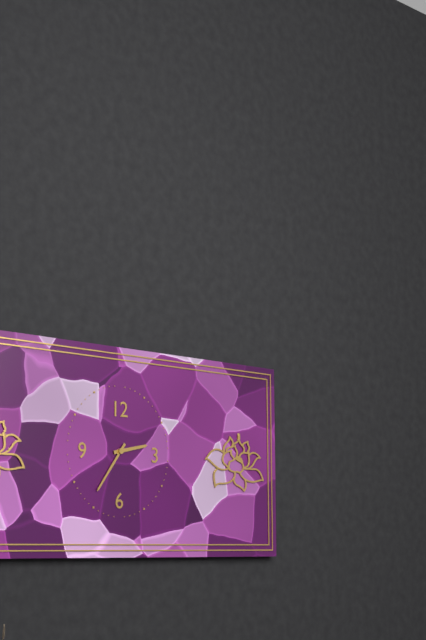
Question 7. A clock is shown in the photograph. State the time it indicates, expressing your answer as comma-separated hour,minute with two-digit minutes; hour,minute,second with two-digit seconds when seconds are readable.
2,36
